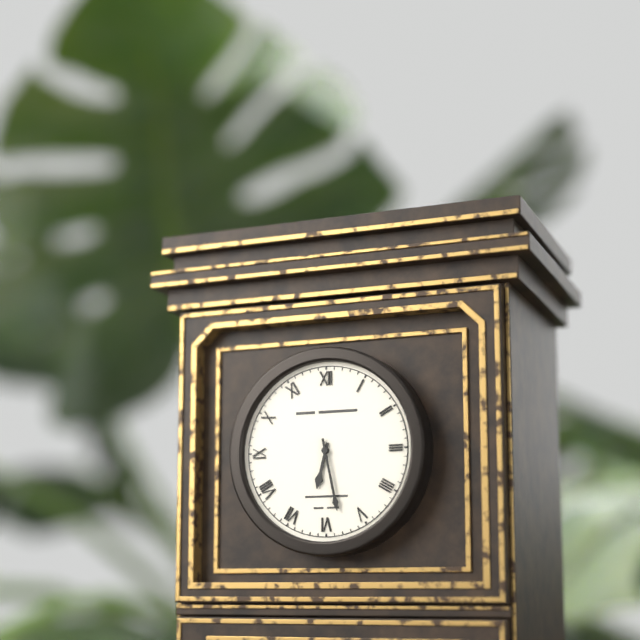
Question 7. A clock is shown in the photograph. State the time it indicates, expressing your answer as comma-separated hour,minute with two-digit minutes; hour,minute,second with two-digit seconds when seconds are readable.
6,28
